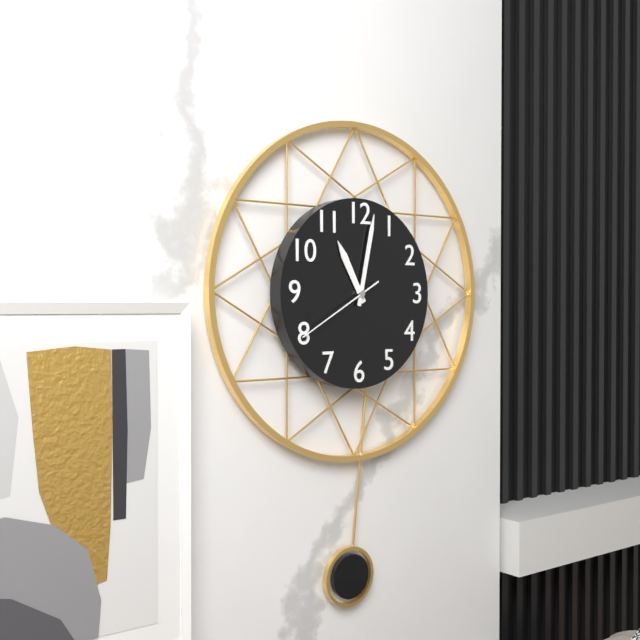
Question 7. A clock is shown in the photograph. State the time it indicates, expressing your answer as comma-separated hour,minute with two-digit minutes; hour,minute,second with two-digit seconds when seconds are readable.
11,02,40
